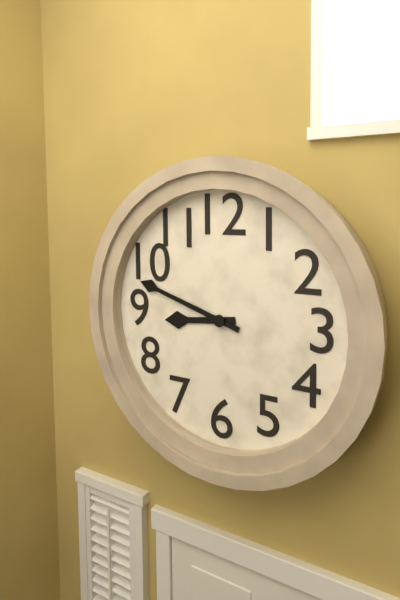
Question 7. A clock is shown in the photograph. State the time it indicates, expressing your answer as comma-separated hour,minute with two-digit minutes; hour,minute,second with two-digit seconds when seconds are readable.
8,48
